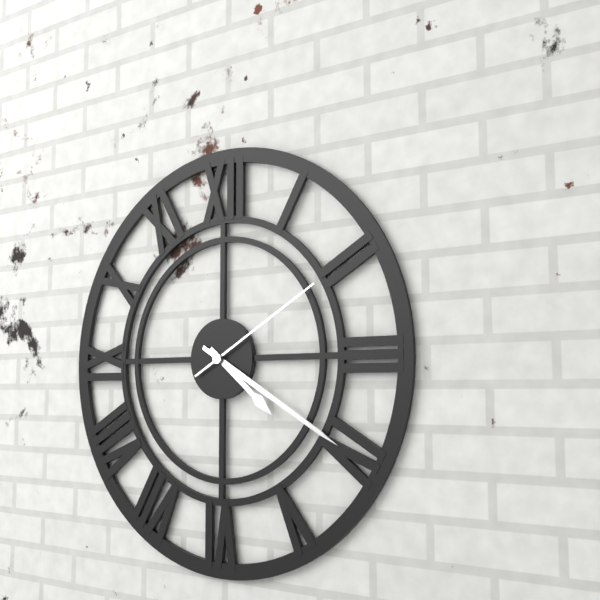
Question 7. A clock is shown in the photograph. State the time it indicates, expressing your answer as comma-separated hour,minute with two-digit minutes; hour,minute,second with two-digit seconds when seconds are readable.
4,20,10
